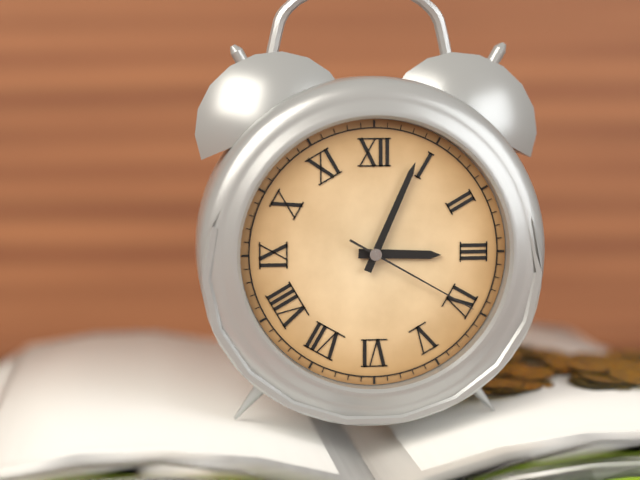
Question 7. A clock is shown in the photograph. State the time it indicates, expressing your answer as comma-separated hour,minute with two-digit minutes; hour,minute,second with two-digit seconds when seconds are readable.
3,04,20
